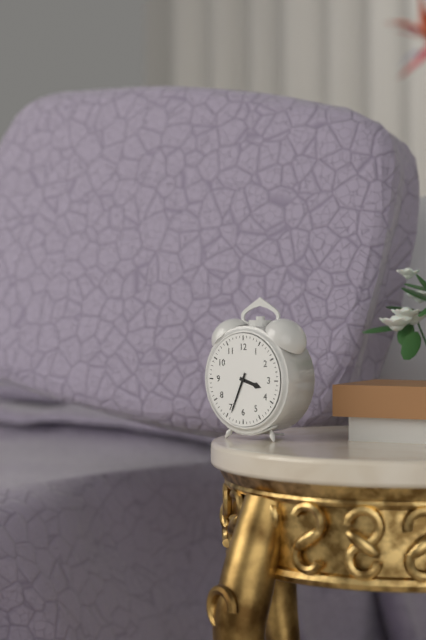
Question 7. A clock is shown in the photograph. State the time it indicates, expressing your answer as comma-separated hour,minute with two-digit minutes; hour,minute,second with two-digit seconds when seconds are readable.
3,34
